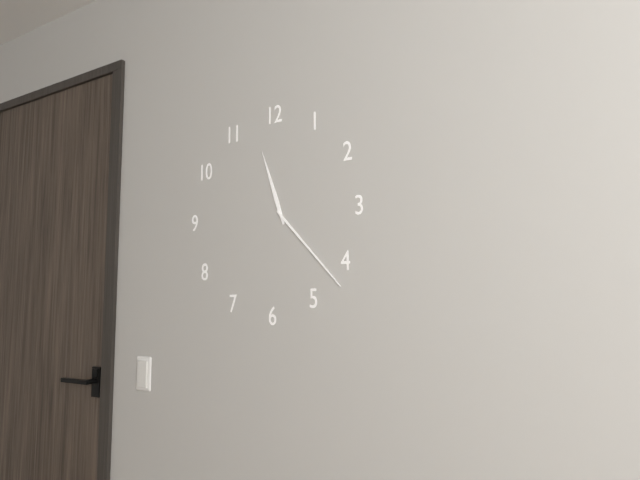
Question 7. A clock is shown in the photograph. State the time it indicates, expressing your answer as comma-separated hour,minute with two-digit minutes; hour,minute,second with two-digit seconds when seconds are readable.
11,23
